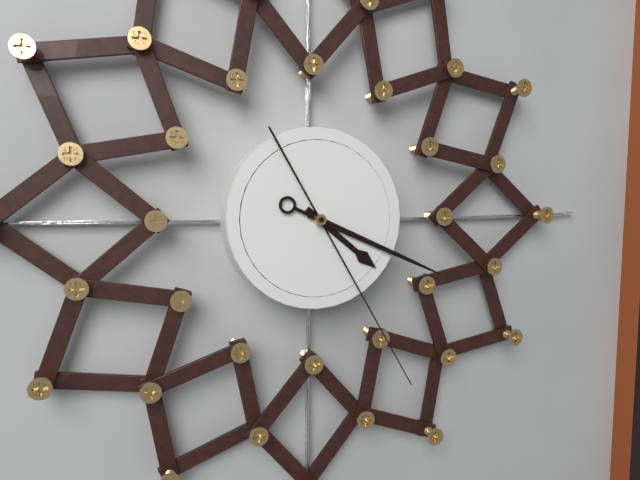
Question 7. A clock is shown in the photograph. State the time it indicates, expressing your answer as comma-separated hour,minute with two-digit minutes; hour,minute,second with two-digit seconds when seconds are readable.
4,19,25
